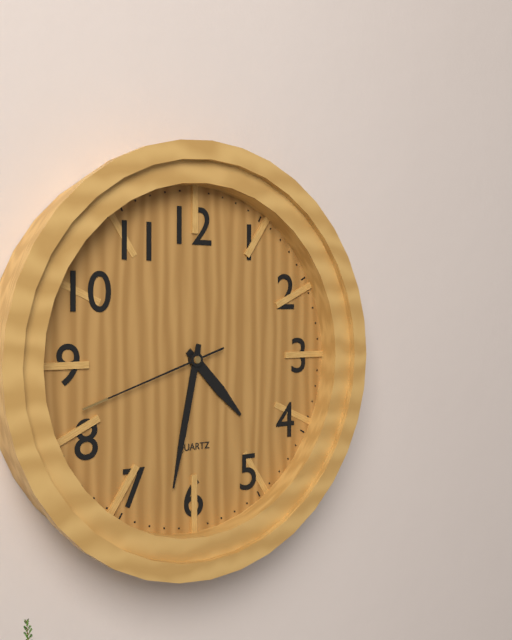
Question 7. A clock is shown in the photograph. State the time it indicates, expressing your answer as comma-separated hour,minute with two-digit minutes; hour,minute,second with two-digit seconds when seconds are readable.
4,32,42
